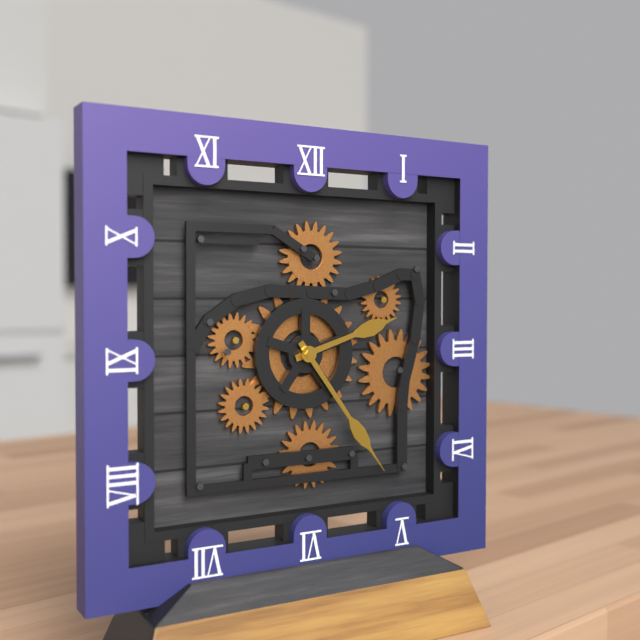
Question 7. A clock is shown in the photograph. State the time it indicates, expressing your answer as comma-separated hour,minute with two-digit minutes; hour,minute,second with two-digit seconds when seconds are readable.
2,24
